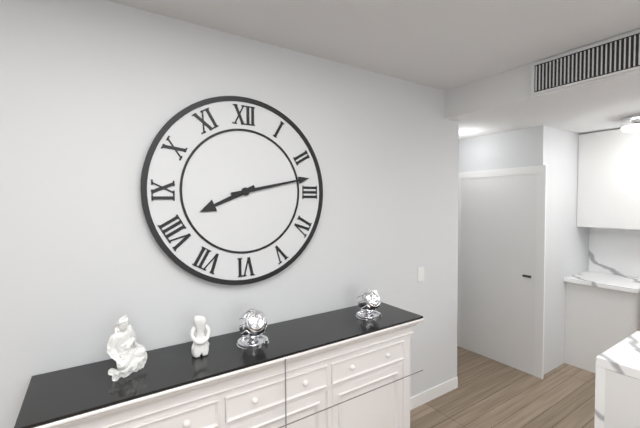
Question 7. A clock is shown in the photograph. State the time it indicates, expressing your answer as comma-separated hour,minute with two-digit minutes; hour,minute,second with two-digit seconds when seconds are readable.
8,13
